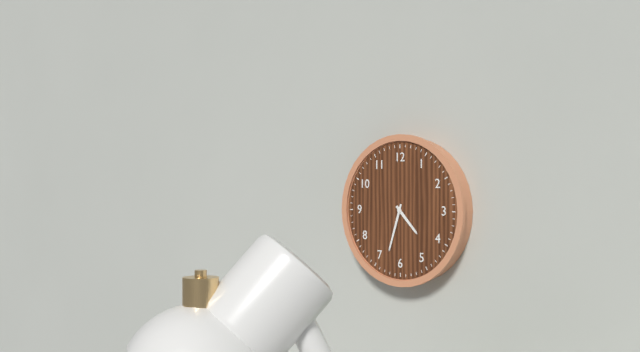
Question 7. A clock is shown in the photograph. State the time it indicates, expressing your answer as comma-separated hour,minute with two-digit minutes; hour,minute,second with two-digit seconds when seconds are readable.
4,33
